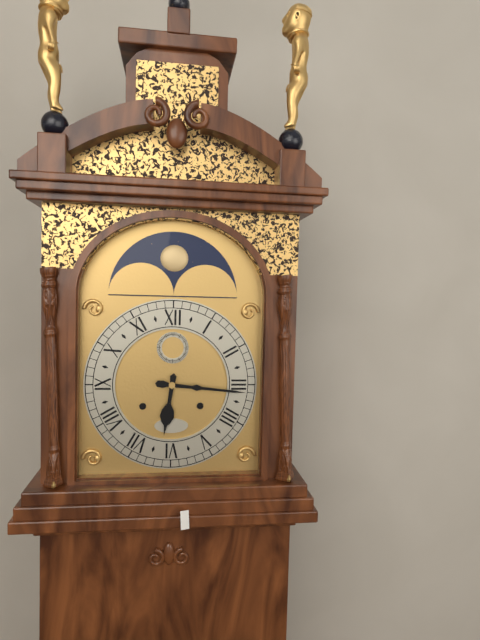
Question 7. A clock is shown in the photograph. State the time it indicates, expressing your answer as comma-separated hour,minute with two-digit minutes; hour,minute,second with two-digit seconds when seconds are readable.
6,16
